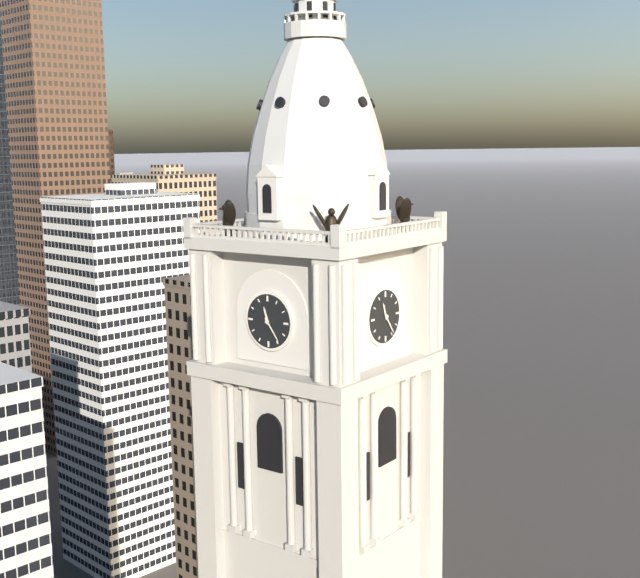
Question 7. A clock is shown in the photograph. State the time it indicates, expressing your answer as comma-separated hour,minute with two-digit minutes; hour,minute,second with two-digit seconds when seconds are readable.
11,24
